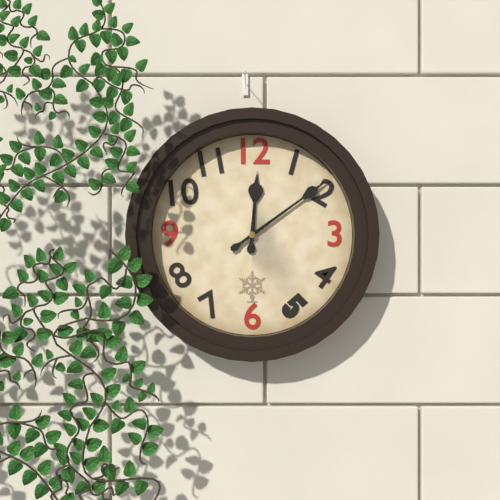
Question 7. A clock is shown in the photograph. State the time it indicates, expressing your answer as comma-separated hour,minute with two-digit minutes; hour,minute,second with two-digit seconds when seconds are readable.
12,09
